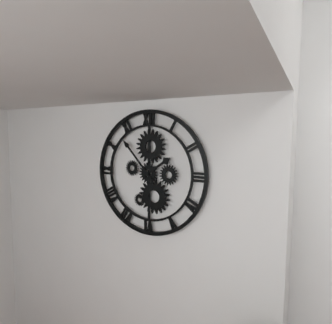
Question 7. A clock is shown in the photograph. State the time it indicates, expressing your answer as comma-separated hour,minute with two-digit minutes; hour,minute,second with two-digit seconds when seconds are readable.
1,53
